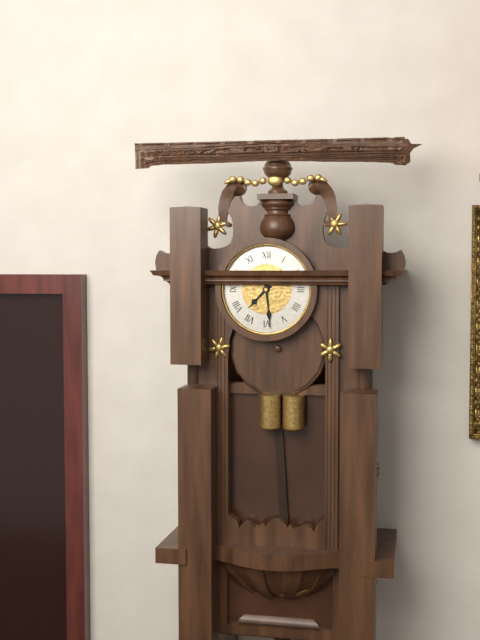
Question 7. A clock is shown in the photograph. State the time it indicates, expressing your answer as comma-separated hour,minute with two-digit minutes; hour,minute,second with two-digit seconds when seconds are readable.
7,29
